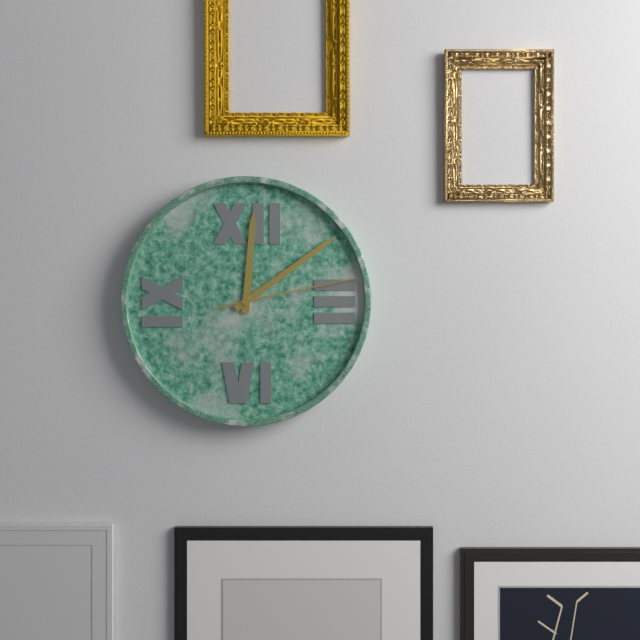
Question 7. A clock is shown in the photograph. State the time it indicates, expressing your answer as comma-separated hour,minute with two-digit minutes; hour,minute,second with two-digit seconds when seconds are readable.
12,09,13
